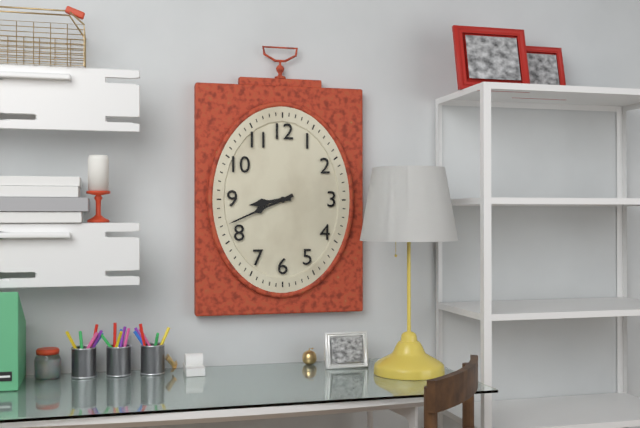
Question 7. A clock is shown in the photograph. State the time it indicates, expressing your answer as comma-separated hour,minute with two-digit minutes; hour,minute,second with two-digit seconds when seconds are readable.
8,41
